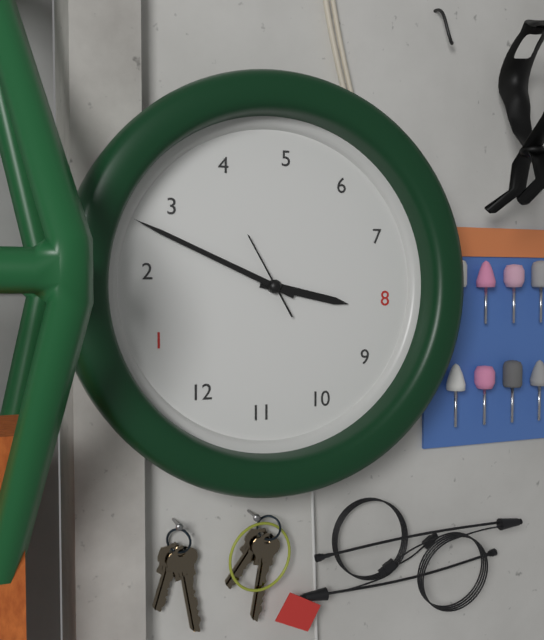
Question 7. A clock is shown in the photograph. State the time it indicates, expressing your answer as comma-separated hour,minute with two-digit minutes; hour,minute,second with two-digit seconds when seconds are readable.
8,13,19
